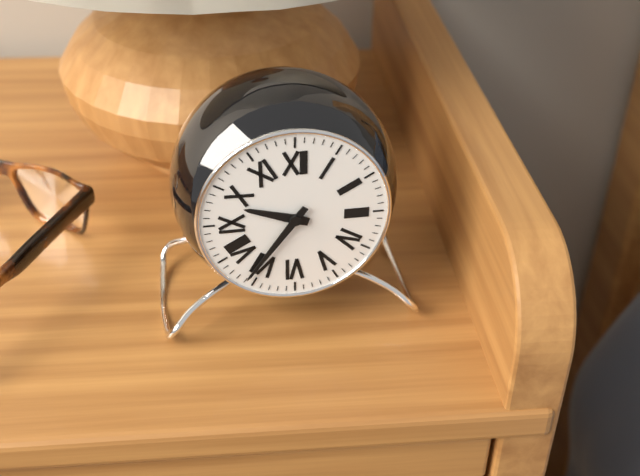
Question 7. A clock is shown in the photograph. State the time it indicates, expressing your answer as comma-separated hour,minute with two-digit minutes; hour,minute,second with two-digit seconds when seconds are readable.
9,36
